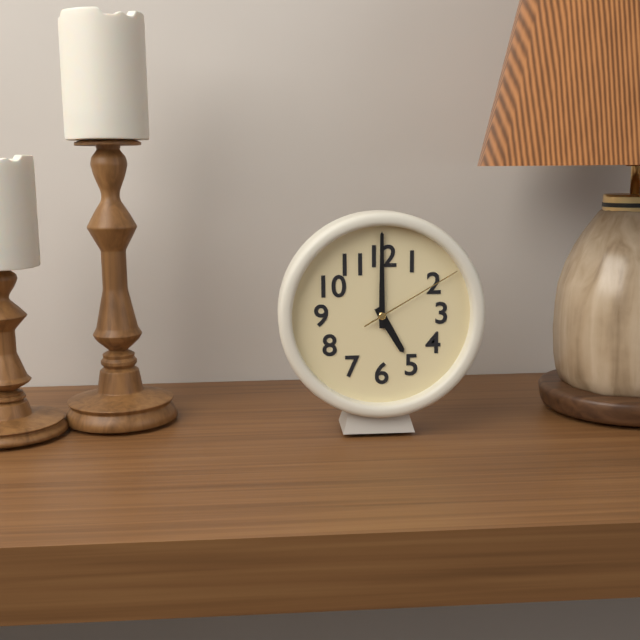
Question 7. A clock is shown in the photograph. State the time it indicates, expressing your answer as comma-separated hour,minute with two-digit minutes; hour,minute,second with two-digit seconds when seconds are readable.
5,00,10
